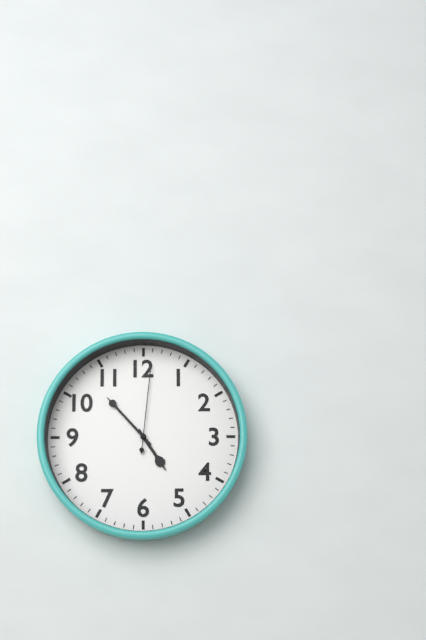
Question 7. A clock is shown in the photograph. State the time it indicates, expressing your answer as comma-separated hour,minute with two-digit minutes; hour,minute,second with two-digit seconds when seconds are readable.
4,53,01
